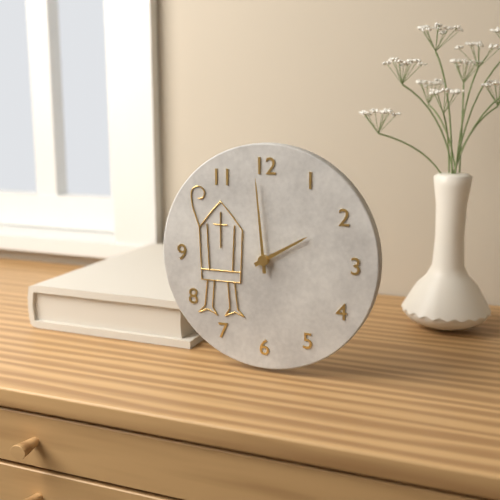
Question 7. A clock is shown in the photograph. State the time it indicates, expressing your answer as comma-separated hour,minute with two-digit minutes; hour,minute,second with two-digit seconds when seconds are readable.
1,59
